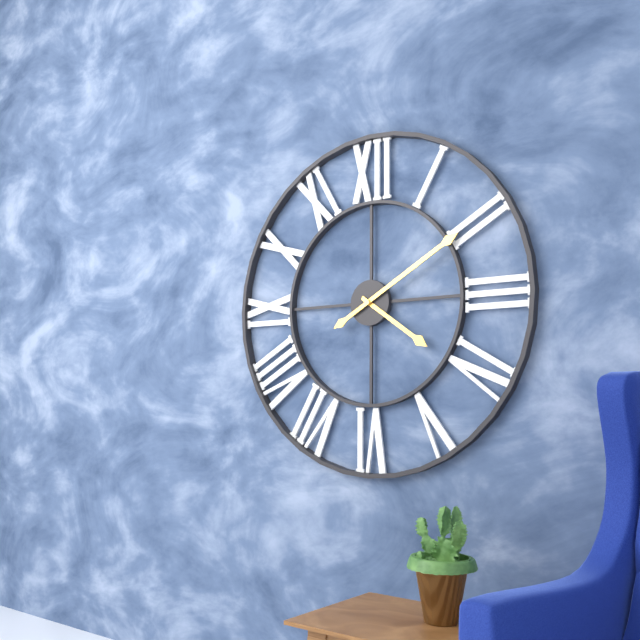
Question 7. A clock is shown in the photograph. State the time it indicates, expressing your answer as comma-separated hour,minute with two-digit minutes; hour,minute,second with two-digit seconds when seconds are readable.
4,10
